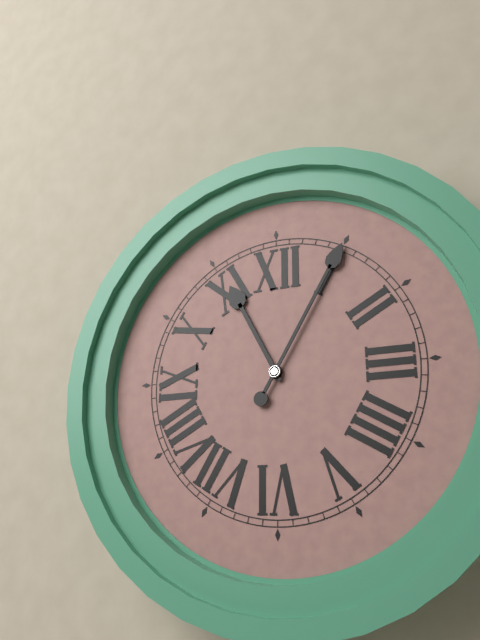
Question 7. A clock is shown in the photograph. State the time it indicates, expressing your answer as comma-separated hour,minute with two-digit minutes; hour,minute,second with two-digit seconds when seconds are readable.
11,05
